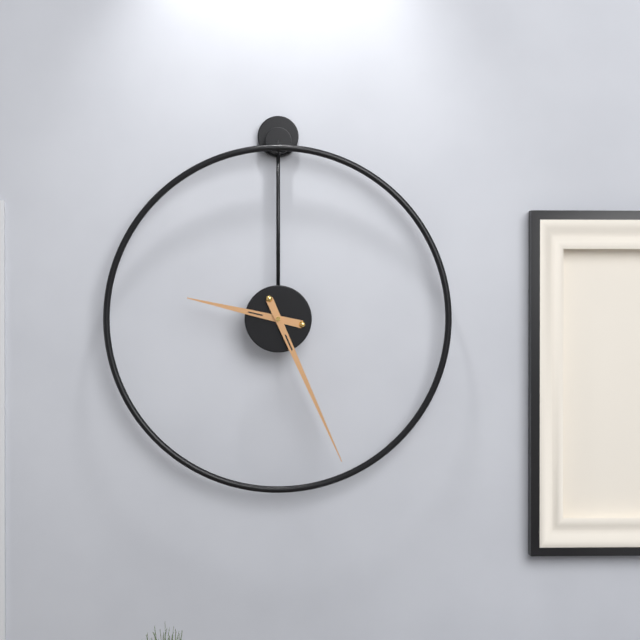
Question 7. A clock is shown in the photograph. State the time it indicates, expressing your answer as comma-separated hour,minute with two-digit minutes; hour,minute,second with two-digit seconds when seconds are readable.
9,26
